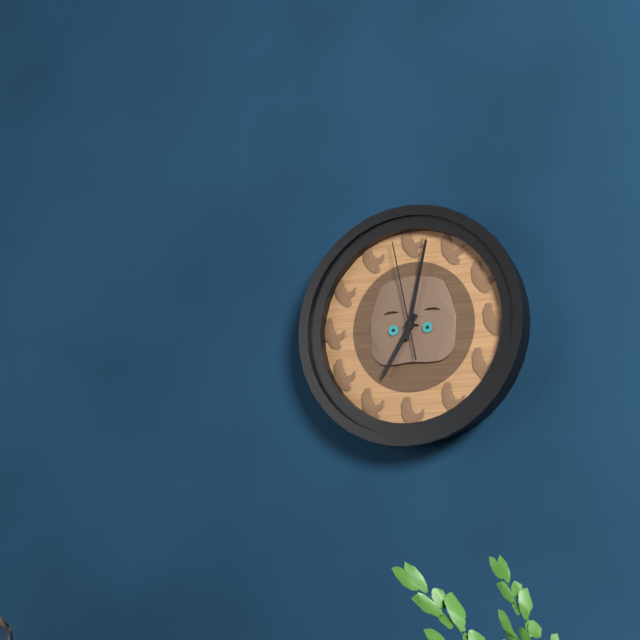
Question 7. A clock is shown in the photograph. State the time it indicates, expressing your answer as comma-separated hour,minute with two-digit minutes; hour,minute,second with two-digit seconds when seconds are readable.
7,02,58
